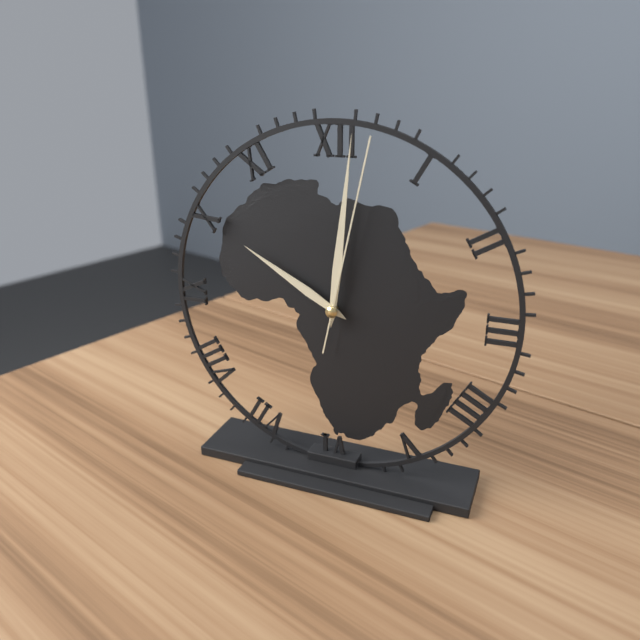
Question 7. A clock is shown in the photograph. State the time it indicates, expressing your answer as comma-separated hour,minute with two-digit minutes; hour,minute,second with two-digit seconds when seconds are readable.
10,01,02
